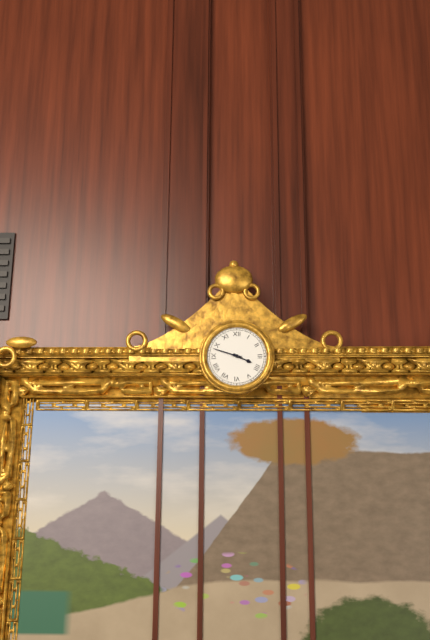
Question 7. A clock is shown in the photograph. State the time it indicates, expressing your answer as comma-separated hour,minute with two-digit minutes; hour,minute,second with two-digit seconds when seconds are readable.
3,48
